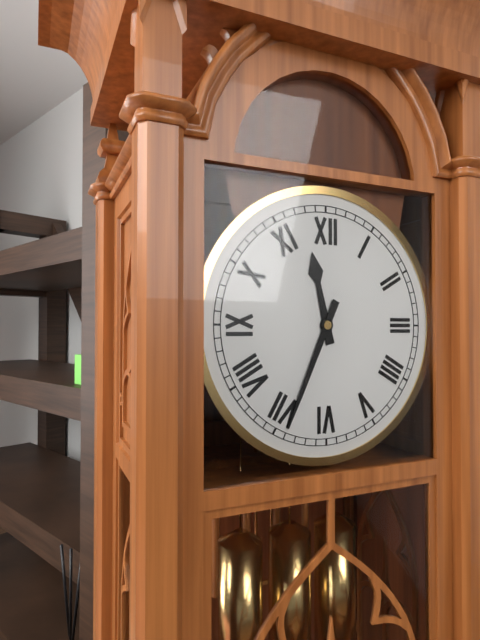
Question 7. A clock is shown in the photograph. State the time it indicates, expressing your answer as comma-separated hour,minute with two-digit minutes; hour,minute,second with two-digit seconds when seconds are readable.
11,34
